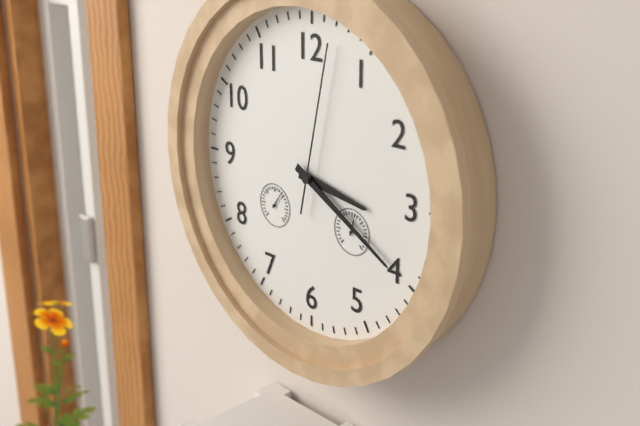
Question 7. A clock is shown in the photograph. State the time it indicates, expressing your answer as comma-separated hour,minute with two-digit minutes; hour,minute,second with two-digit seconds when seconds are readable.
3,20,02
